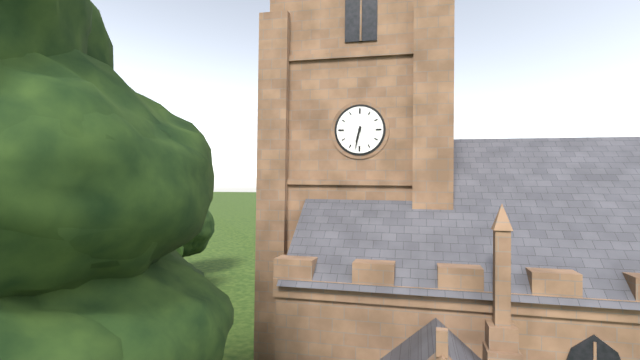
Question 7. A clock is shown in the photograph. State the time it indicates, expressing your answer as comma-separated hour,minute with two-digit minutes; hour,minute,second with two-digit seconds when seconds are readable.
6,32
